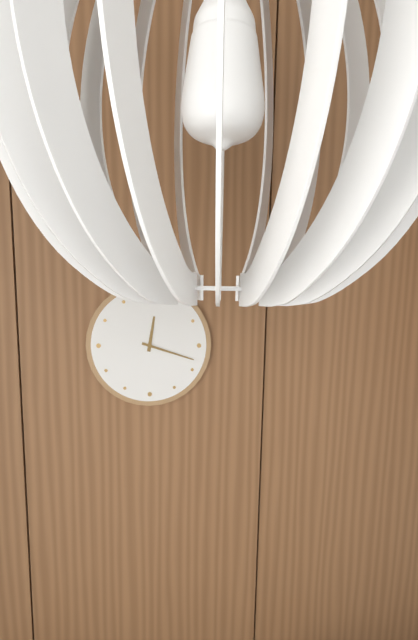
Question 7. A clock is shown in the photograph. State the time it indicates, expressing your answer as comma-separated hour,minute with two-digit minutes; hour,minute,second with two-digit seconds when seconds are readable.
12,18
